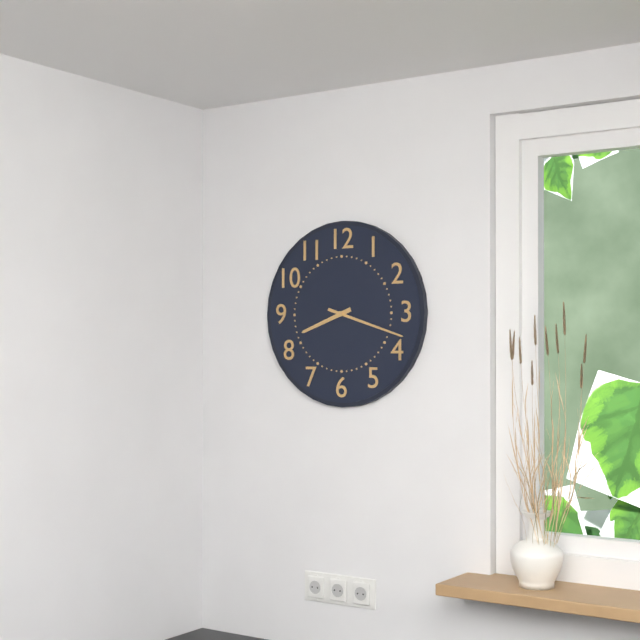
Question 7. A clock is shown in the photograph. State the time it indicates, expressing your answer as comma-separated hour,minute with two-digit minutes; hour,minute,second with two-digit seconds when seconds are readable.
8,18
